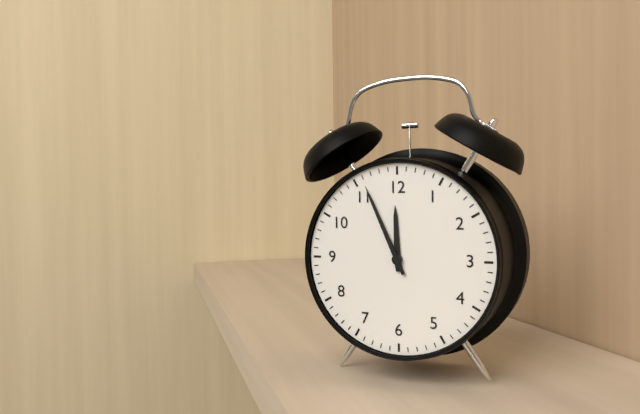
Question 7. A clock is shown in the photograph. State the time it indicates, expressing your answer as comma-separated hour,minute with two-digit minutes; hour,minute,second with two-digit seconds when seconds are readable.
11,56
